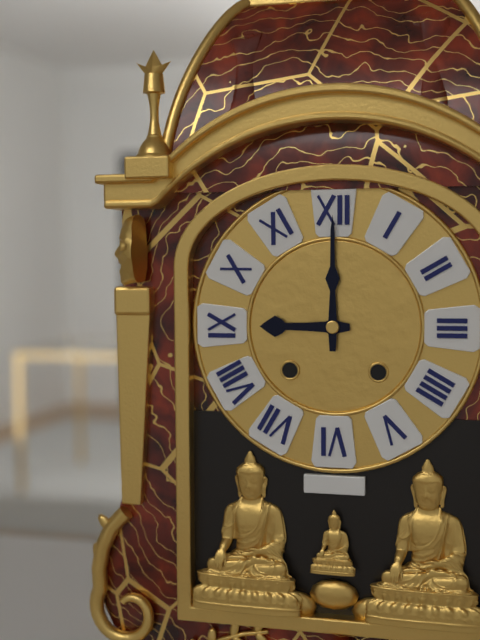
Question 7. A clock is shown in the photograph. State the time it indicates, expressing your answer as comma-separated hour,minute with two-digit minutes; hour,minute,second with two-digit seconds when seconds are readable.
9,00
